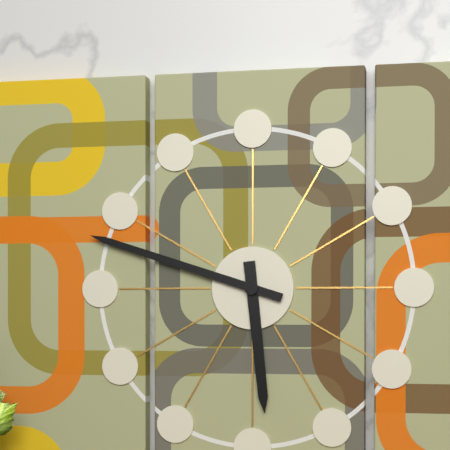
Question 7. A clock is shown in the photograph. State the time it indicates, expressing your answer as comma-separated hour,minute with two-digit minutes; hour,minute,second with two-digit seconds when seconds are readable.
5,48
